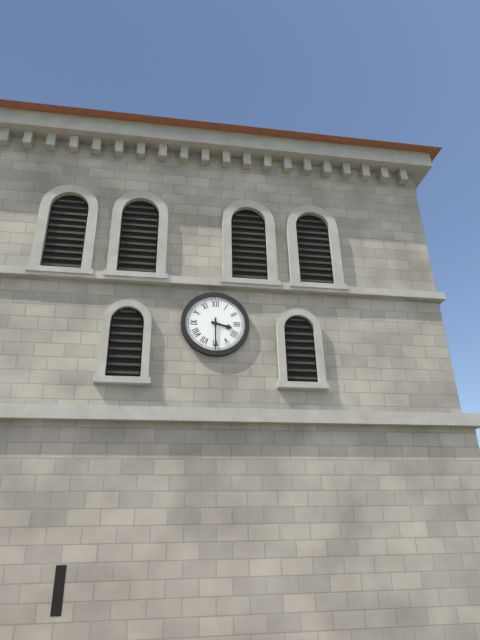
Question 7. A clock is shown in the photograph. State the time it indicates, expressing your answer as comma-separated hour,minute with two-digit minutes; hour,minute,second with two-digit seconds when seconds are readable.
3,30
